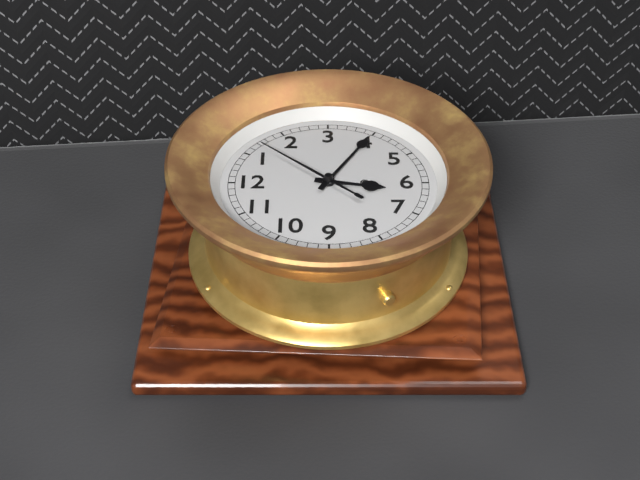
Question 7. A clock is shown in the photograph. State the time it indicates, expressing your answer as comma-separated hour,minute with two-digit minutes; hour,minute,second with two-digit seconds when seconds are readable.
6,20,07
